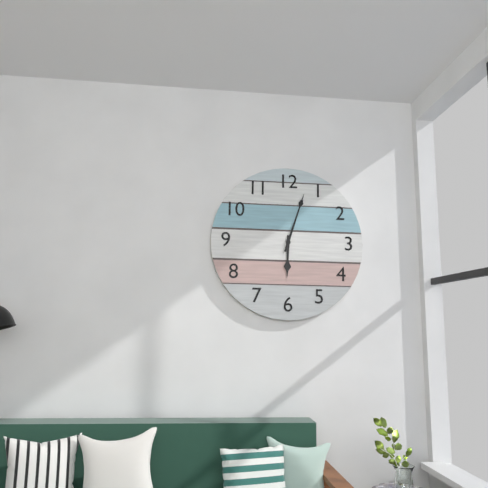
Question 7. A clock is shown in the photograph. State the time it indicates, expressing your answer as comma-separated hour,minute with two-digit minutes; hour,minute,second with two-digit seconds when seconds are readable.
6,03
